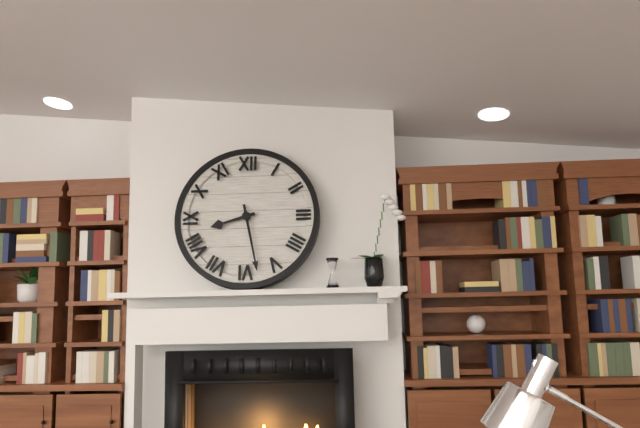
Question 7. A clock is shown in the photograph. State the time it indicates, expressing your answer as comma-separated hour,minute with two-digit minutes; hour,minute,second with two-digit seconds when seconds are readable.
8,28
